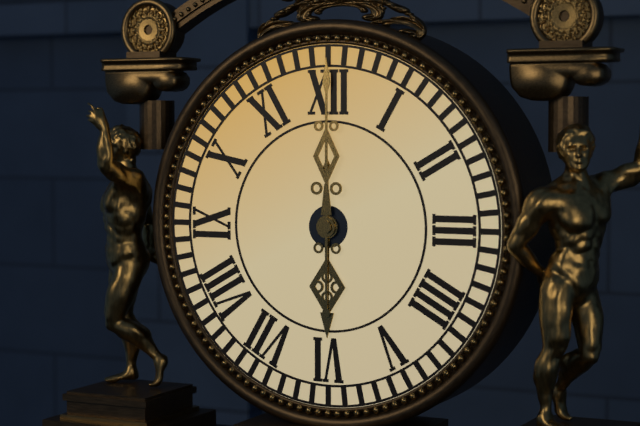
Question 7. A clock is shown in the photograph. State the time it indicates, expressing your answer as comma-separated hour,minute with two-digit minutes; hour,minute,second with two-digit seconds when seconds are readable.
6,00
